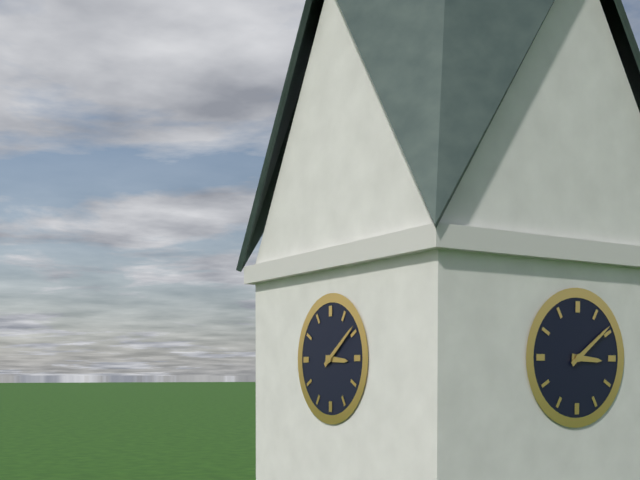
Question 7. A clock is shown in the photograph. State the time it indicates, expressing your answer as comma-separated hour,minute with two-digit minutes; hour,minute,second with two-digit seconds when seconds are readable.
3,09
